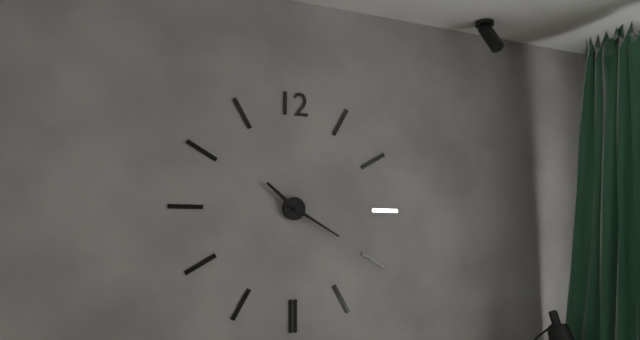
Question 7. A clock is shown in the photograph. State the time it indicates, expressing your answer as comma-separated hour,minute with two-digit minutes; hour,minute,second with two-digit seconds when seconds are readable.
10,20
